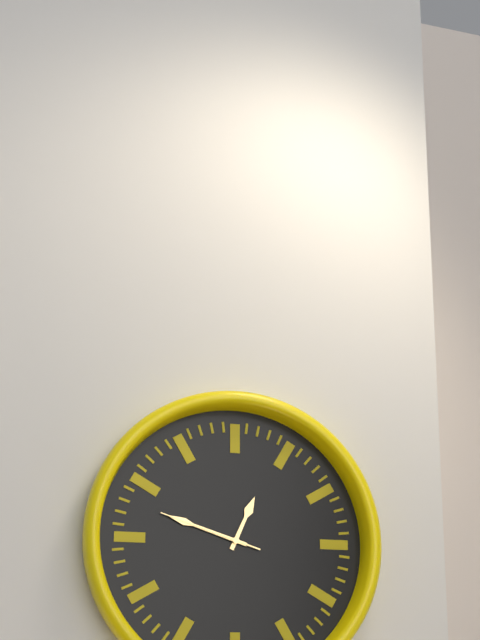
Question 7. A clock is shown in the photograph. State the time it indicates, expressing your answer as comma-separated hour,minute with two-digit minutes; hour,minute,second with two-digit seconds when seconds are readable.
12,48,48
